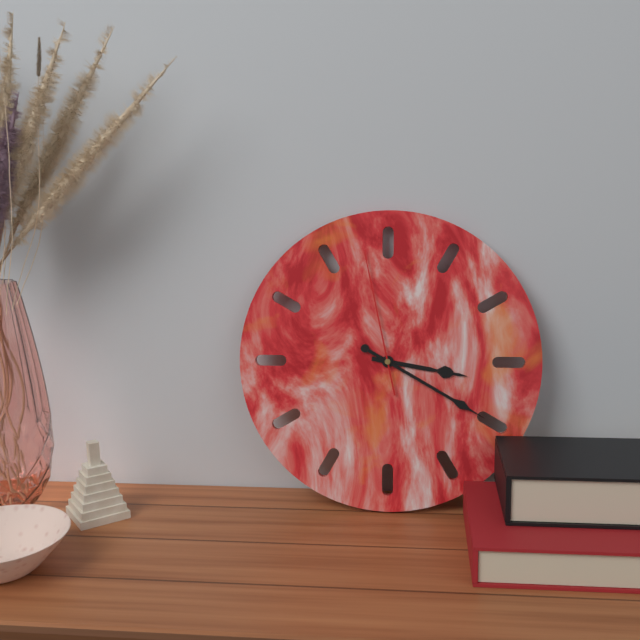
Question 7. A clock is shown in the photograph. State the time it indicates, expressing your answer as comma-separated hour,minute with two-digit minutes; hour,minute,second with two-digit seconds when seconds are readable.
3,20,58
